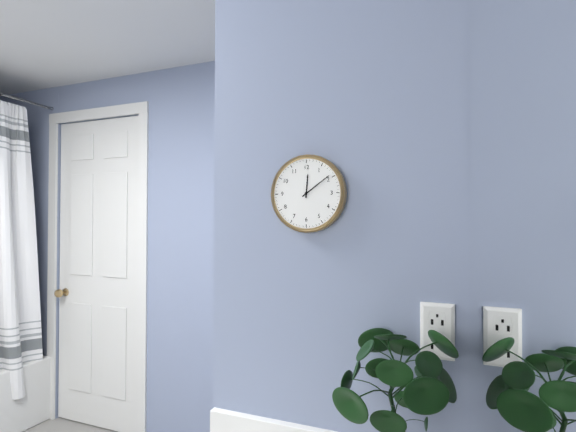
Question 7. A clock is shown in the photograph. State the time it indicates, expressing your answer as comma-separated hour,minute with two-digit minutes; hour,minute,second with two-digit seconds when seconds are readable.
12,09
